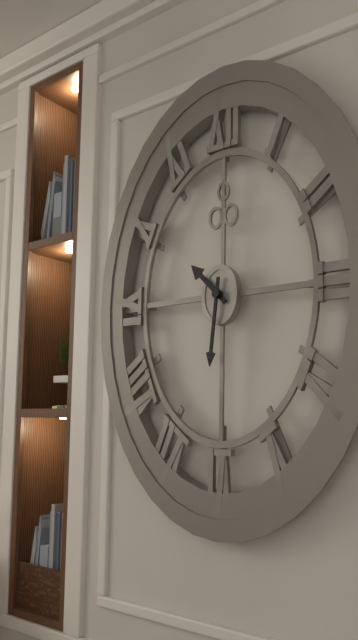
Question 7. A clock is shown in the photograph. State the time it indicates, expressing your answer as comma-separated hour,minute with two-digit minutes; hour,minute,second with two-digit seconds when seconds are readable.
10,31
